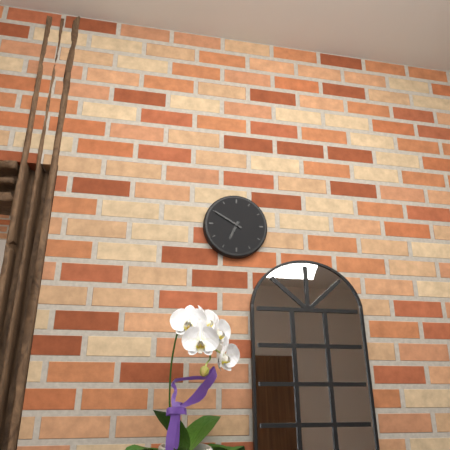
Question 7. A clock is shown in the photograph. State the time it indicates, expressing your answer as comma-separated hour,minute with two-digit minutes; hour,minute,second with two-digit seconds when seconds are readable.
6,50
